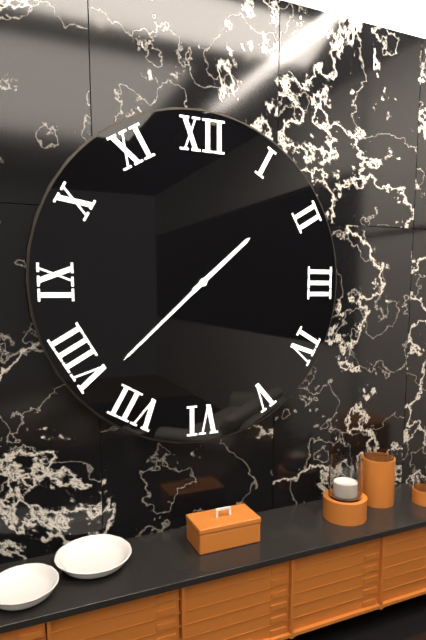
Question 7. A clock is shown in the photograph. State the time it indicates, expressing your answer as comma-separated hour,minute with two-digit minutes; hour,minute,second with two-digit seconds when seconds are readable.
1,38
